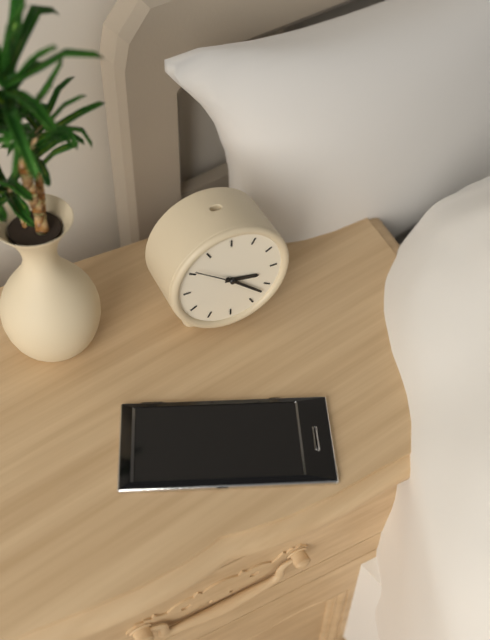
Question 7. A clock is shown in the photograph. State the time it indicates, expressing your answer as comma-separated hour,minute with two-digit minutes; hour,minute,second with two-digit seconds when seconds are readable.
3,22
